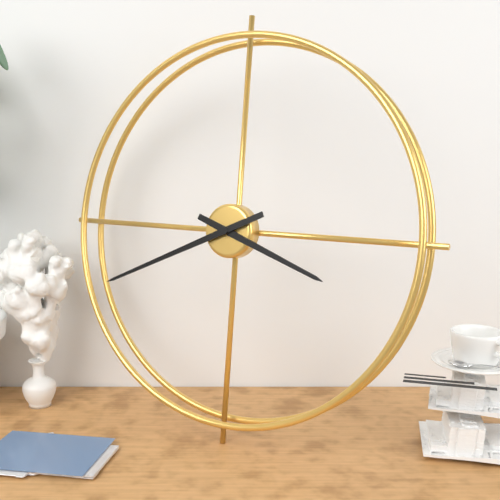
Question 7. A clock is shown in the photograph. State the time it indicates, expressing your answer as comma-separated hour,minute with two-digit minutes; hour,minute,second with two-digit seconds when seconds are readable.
3,41
